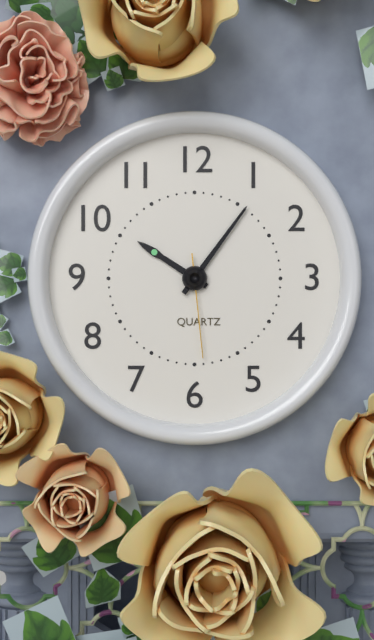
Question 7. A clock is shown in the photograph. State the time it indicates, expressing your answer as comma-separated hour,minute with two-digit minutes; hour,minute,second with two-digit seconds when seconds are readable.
10,06,29
